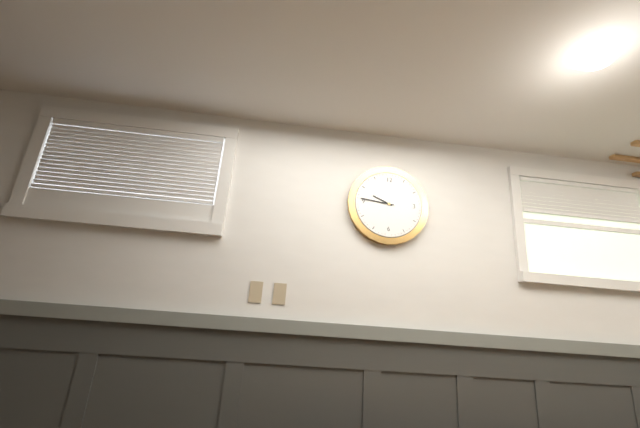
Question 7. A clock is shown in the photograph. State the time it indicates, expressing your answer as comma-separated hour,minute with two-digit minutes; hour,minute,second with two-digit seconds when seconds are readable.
9,46
